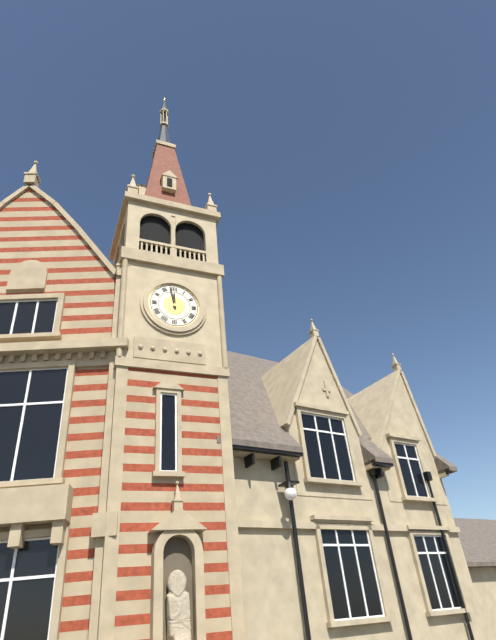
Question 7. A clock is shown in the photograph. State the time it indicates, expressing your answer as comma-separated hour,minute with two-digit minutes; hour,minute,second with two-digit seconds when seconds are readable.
11,58
